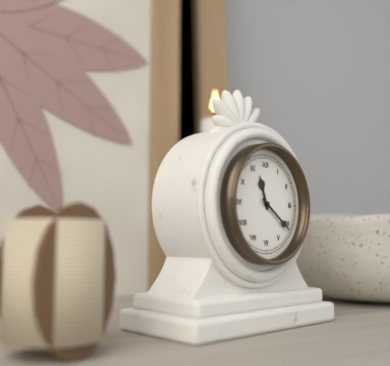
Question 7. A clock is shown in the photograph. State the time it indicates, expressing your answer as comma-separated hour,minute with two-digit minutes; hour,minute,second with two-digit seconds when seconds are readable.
11,21
